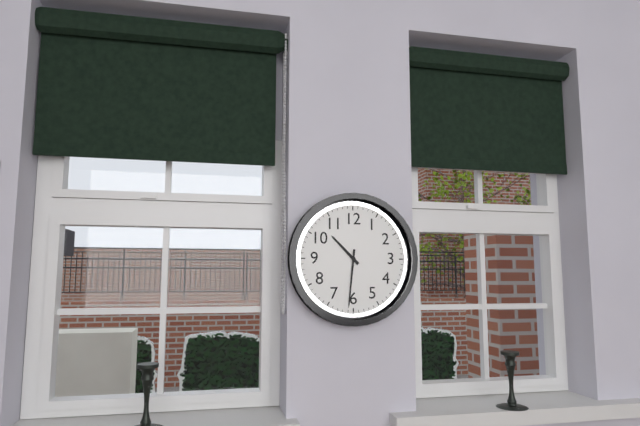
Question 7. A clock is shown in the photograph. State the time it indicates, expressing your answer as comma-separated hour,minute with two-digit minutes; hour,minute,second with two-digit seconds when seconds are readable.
10,31
